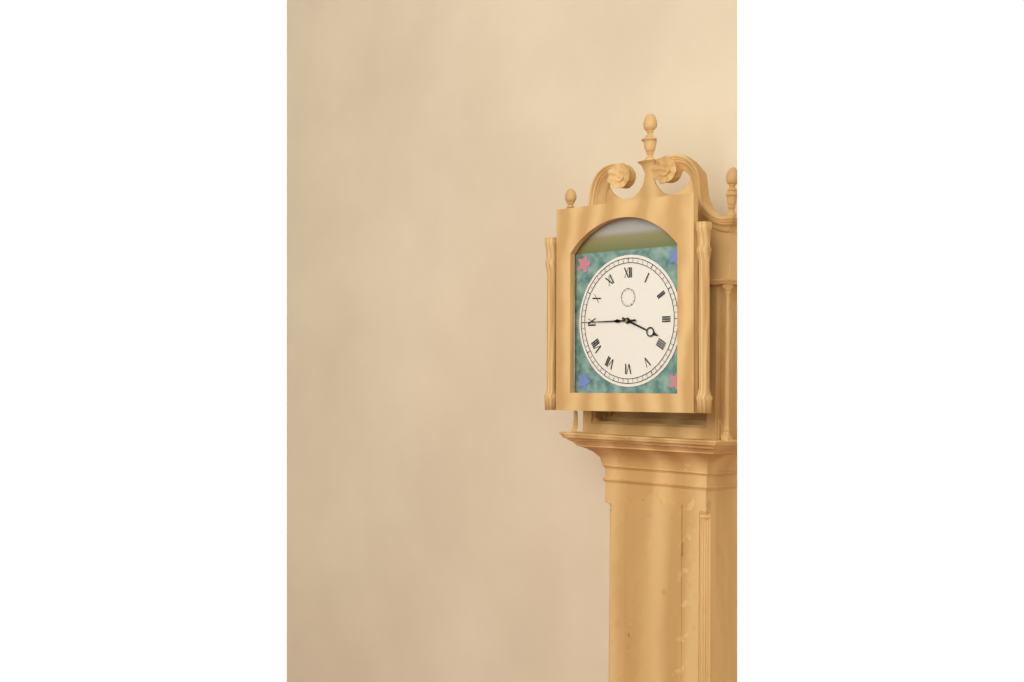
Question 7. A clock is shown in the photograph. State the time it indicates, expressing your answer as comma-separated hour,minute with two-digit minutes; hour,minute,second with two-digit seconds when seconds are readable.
3,45
